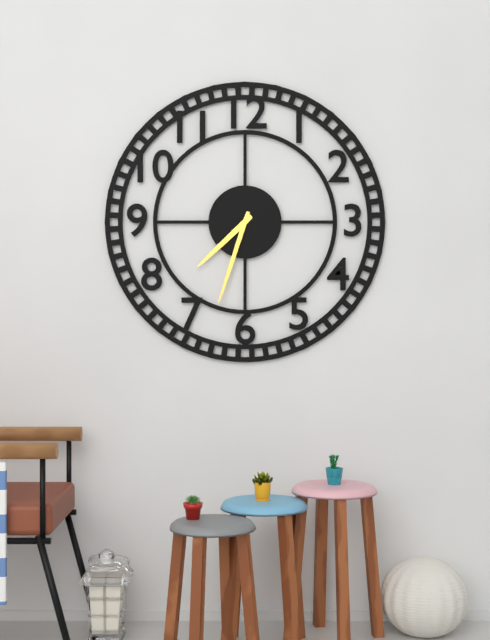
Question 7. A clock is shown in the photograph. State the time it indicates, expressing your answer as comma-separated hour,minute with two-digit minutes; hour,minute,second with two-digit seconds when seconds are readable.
7,33
